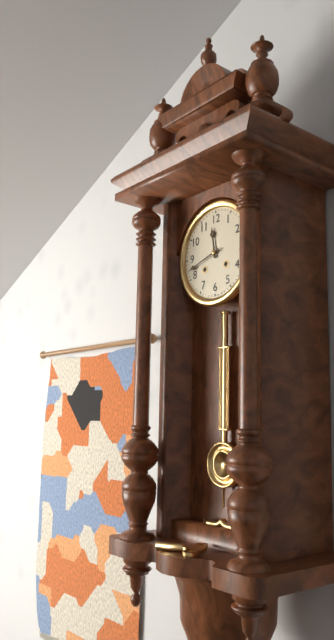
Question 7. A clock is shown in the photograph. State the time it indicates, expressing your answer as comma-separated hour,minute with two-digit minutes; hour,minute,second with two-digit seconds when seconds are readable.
11,42
